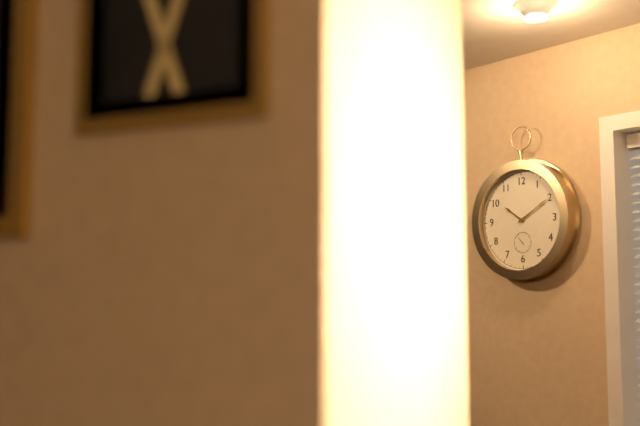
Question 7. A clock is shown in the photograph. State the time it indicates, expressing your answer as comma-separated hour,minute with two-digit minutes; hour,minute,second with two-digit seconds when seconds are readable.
10,10
